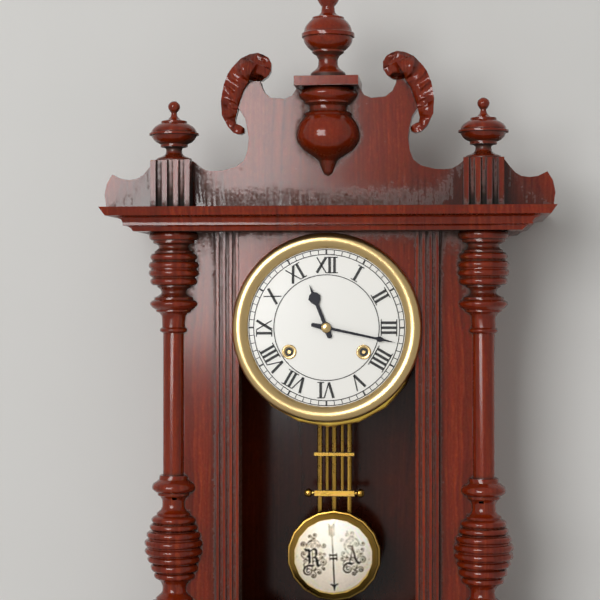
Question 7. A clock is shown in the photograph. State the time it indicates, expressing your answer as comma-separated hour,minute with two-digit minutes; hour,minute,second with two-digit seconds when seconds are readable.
11,17
